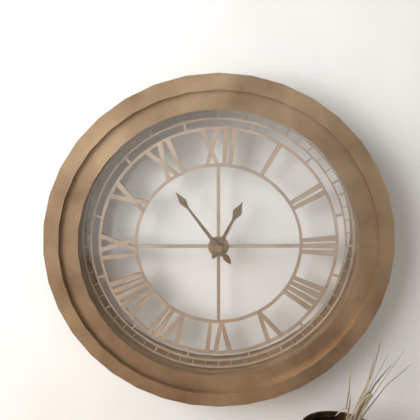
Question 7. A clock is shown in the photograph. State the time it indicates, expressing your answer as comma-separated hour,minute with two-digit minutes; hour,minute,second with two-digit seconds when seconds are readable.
12,54
